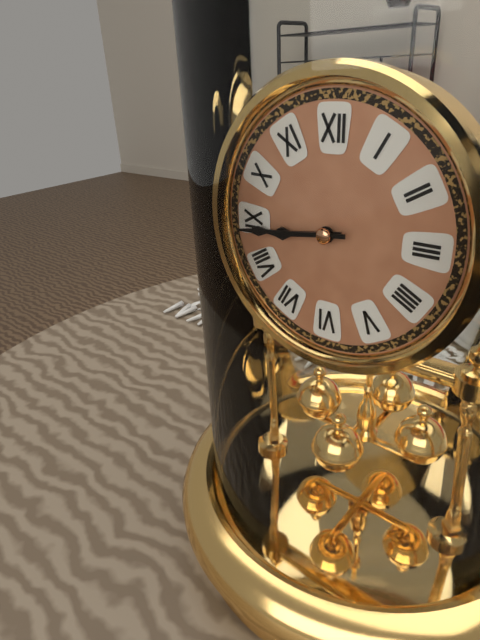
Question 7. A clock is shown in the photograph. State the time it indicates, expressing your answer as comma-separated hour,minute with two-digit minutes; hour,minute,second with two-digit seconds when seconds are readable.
8,44
